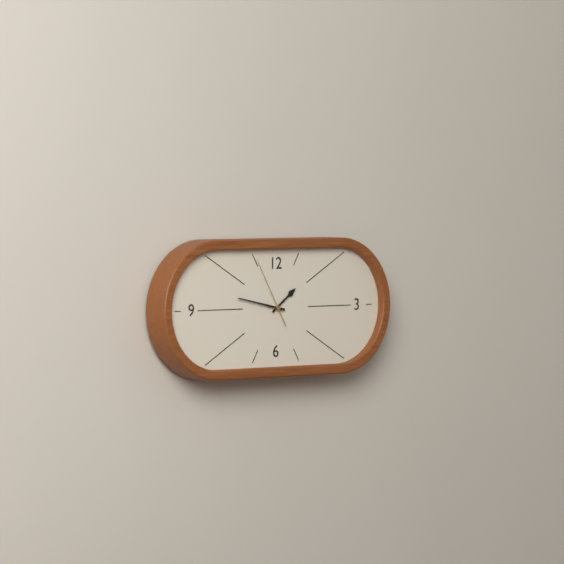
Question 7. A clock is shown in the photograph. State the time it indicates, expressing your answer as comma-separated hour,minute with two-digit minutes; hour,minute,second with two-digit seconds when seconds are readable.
1,47,55
